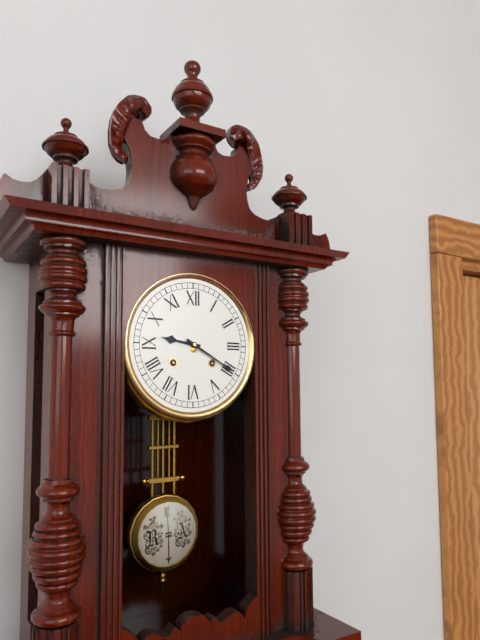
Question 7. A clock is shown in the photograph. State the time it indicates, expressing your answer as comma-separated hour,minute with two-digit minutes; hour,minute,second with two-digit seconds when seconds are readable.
9,20
